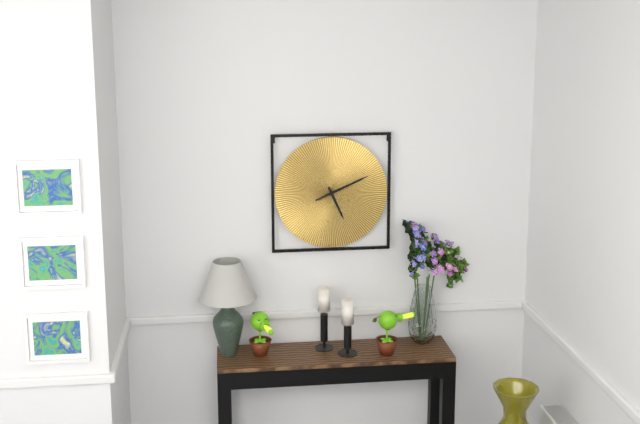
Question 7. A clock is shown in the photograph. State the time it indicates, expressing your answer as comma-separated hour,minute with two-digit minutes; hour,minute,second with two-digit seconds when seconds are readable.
5,11
